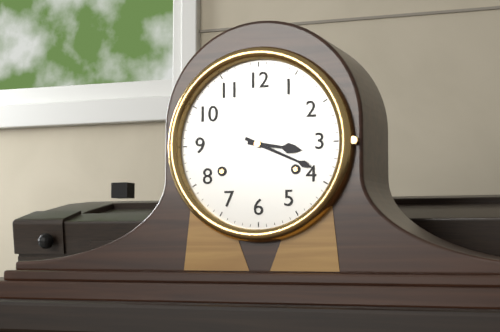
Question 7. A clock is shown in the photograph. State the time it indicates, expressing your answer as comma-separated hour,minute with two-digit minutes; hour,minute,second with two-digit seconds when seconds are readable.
3,19
